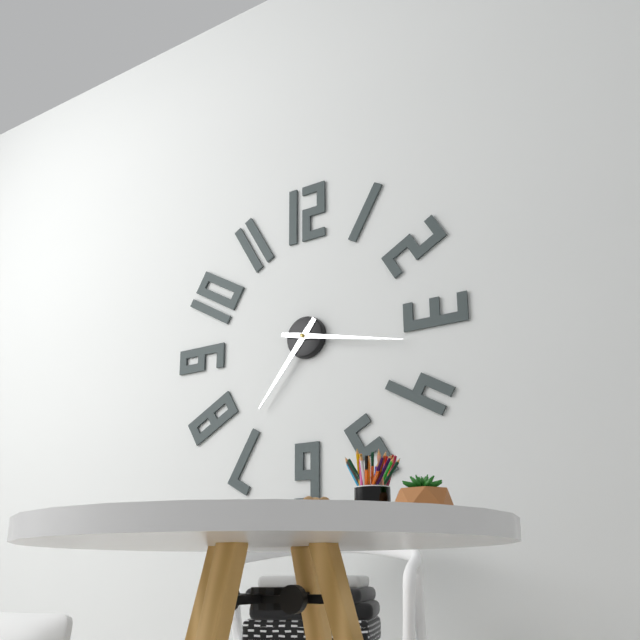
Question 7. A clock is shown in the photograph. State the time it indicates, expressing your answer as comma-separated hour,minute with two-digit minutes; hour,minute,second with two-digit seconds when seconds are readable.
7,17
